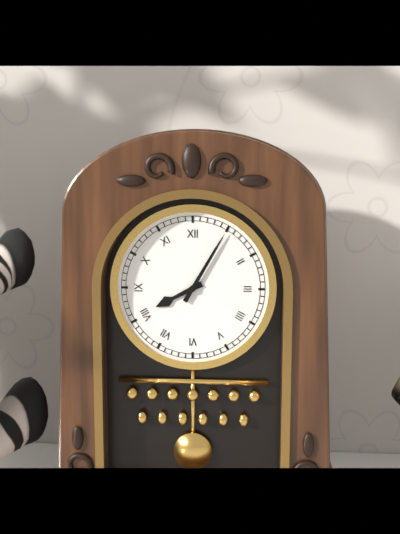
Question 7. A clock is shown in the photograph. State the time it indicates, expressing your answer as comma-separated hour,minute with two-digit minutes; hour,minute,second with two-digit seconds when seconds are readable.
8,05
